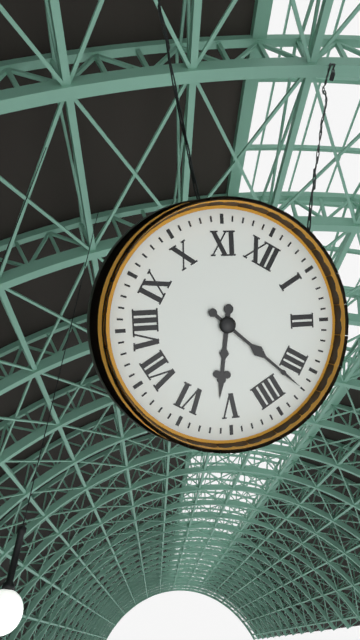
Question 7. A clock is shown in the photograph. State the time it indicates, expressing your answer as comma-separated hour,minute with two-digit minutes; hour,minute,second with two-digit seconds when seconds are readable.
5,17
